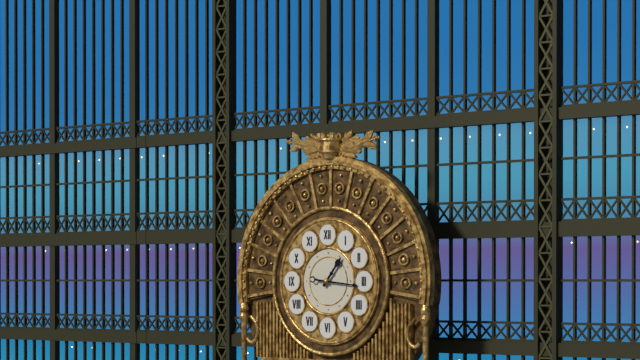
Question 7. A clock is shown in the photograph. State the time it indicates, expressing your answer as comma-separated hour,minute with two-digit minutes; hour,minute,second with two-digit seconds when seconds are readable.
1,16
